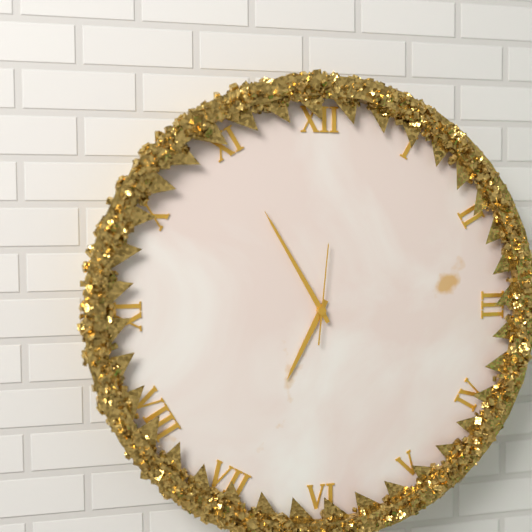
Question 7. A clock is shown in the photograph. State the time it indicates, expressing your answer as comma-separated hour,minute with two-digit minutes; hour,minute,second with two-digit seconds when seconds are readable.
6,55,01
